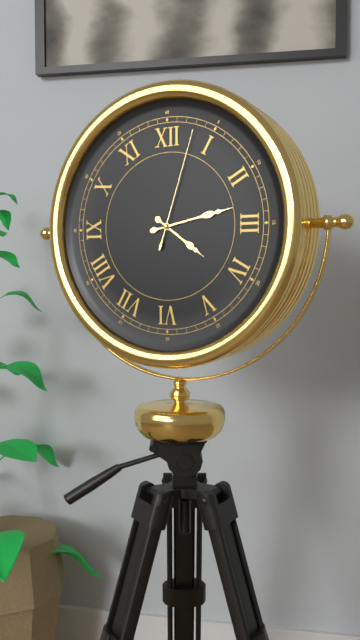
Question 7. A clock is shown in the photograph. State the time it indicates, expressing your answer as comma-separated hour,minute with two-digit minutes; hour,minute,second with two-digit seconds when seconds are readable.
4,13,03
